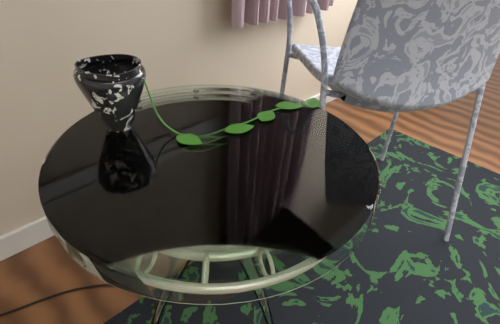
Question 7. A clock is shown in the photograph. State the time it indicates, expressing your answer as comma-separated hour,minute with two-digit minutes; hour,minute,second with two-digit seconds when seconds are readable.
10,18
